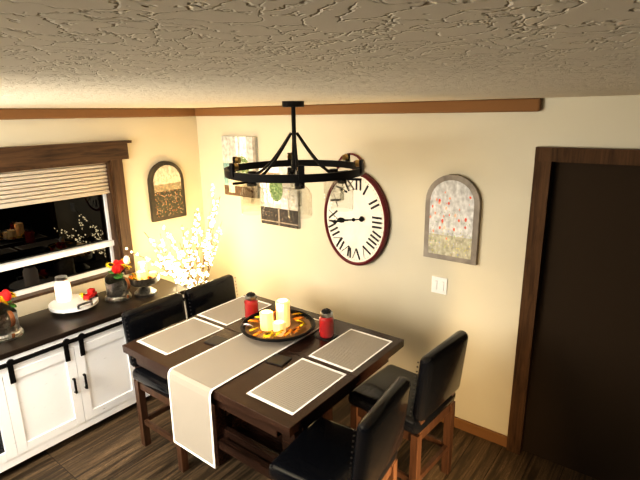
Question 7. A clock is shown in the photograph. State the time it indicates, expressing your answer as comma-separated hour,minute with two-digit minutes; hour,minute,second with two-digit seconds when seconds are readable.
8,43
